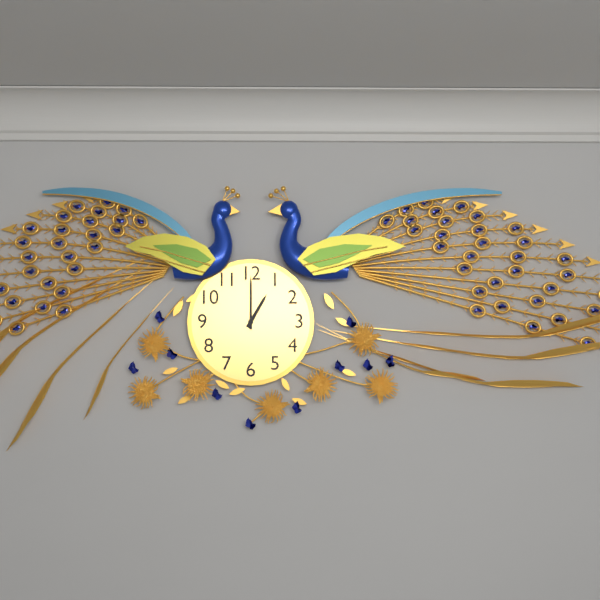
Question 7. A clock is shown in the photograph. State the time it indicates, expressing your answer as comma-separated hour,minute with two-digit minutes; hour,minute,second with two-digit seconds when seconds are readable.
1,00
